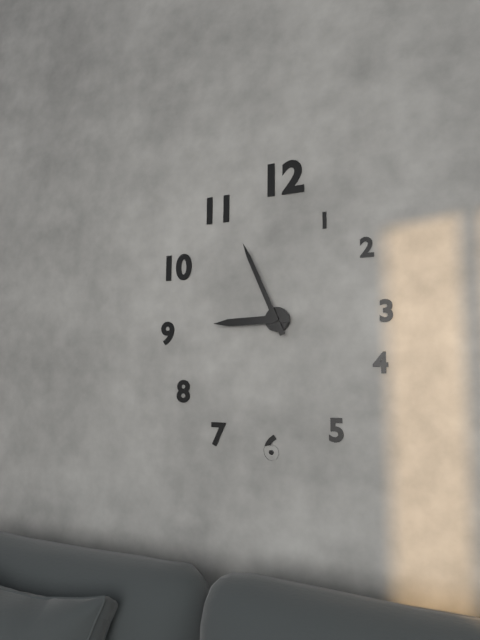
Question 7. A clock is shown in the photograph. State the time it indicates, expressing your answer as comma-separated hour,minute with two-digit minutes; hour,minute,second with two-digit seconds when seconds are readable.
8,56
